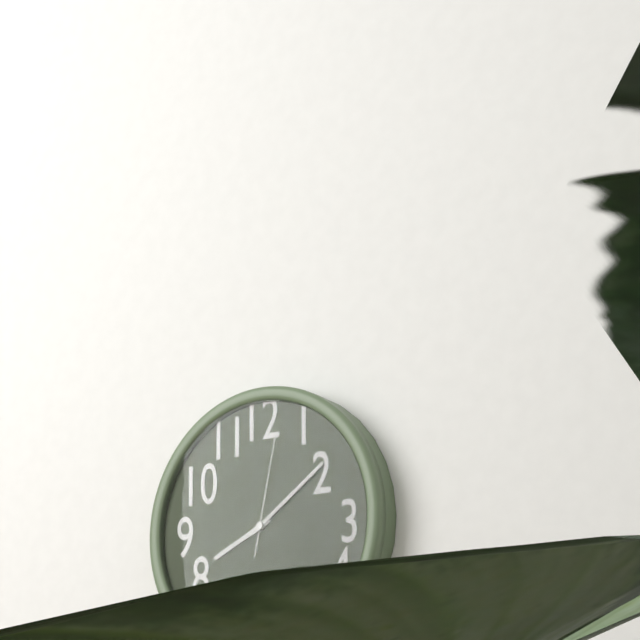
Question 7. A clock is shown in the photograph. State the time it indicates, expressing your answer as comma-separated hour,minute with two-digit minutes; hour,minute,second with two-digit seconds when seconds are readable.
8,09,02
